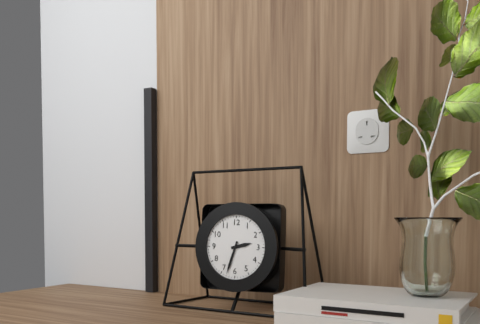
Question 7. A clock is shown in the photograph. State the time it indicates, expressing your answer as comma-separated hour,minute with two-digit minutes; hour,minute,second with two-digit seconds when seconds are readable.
2,33
